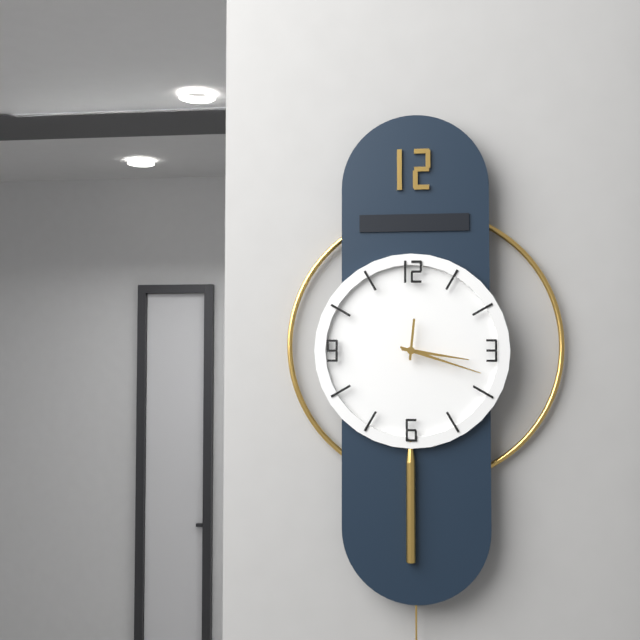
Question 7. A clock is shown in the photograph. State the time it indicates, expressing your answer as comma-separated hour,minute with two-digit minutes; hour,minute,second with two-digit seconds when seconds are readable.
3,18
